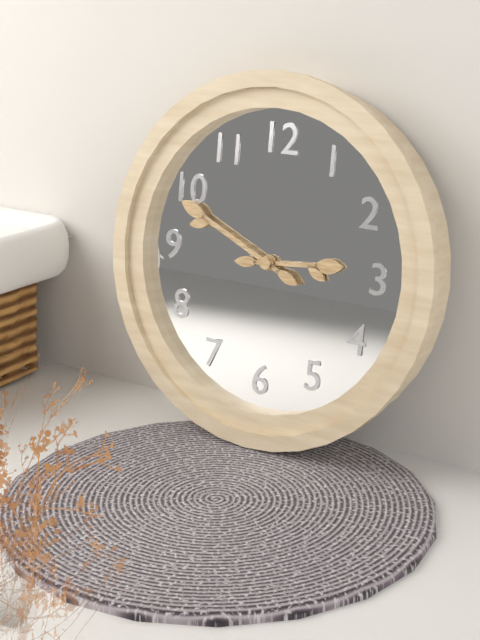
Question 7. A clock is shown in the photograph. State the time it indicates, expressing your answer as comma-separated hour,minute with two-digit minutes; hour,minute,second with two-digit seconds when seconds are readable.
2,49
